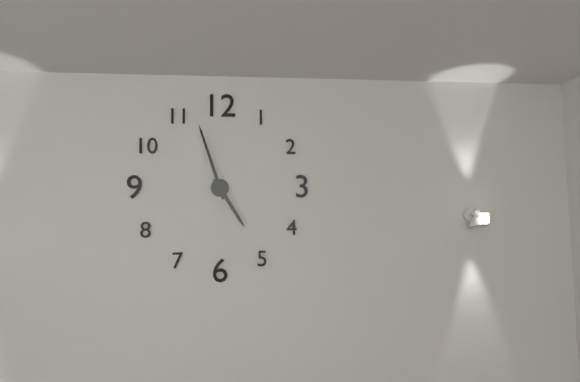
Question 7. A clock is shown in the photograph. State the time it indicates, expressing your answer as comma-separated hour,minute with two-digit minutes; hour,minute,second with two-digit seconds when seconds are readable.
4,57
